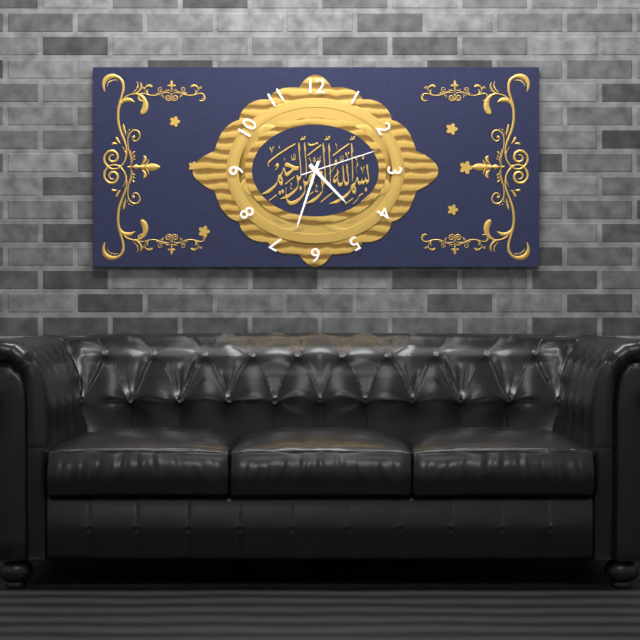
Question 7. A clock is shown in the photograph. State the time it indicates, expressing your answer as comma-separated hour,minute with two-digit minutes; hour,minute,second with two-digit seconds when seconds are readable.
4,33,12
